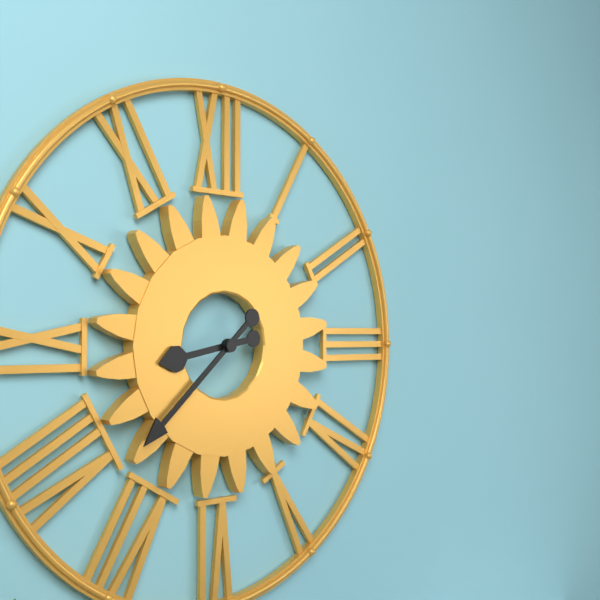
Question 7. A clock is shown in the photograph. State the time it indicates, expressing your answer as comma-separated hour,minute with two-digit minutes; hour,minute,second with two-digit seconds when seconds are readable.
8,38
